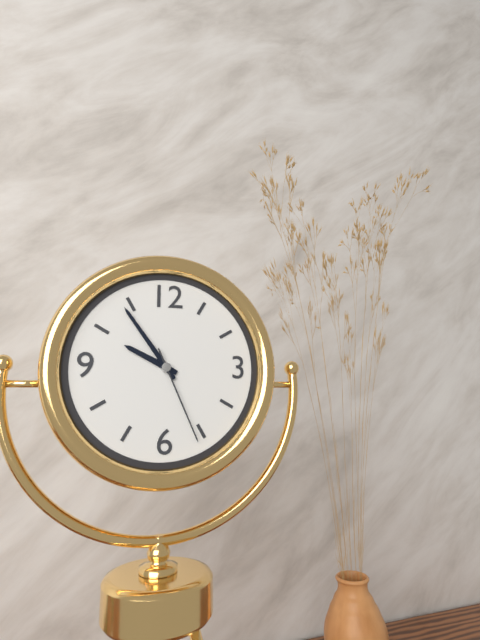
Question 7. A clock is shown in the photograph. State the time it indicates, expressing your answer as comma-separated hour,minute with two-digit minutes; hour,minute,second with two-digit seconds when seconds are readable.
9,54,26
